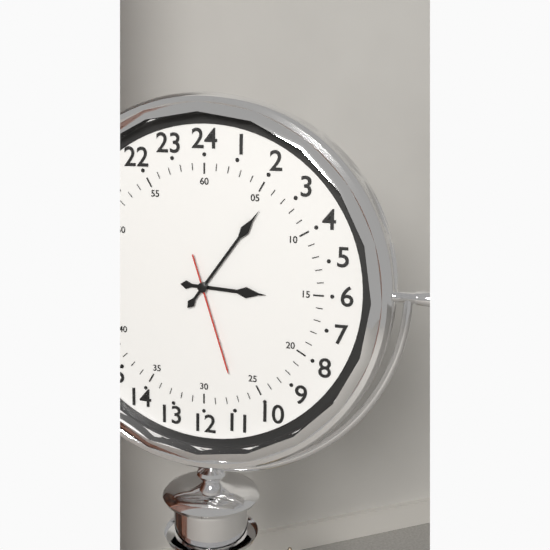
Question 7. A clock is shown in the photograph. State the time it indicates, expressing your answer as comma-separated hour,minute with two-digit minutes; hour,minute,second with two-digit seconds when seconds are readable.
3,06,27
